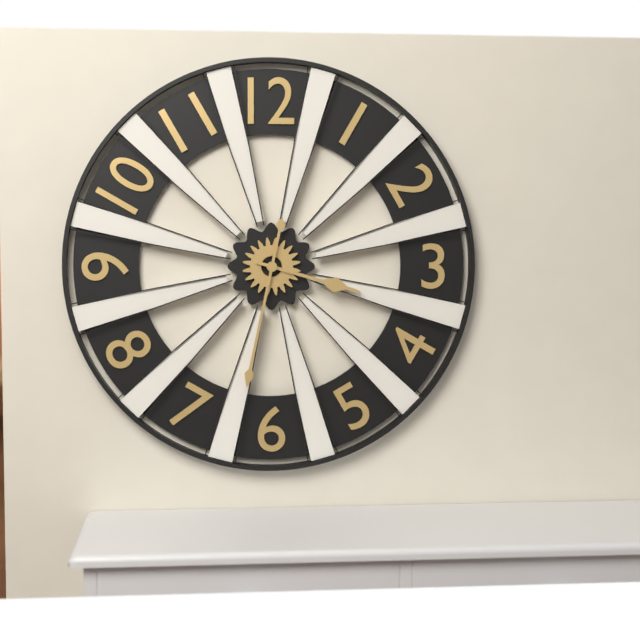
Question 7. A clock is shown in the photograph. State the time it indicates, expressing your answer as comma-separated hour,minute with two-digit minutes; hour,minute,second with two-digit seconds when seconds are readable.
3,32
